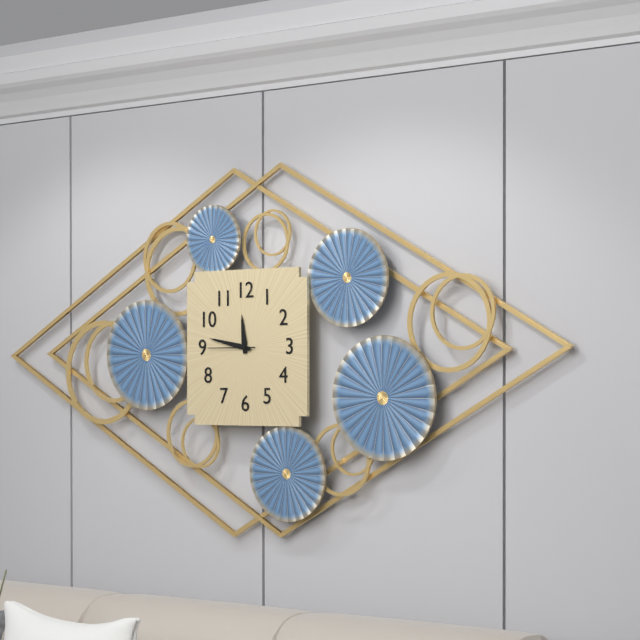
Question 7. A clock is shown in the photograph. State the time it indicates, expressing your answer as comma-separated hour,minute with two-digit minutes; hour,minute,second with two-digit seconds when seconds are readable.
11,47
